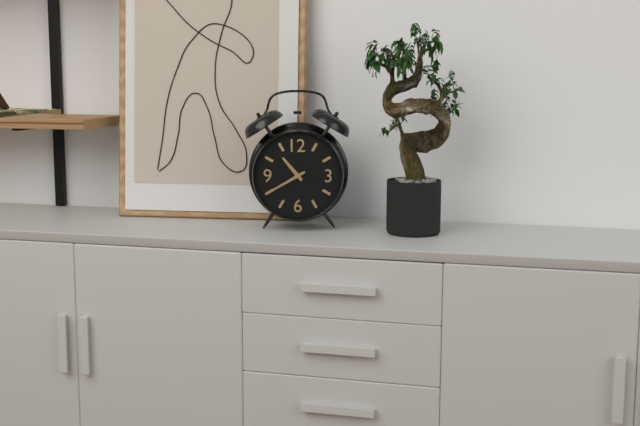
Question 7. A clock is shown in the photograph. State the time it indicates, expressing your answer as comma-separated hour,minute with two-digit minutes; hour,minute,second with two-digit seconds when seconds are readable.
10,40
